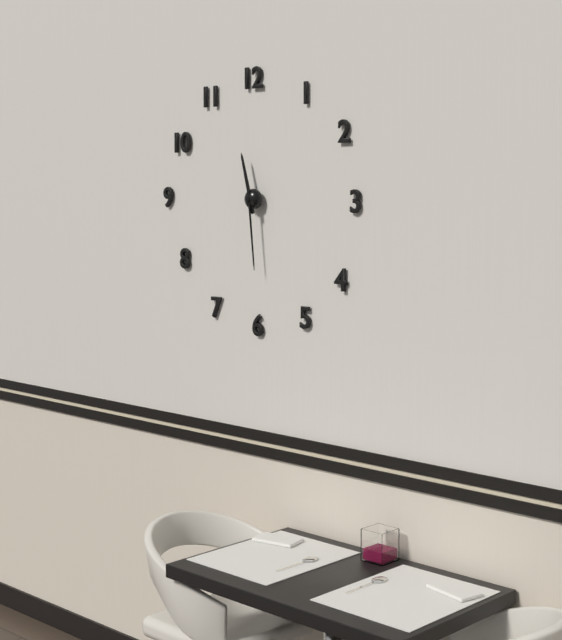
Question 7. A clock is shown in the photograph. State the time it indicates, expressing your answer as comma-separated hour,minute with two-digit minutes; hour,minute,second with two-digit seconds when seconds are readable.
11,29
